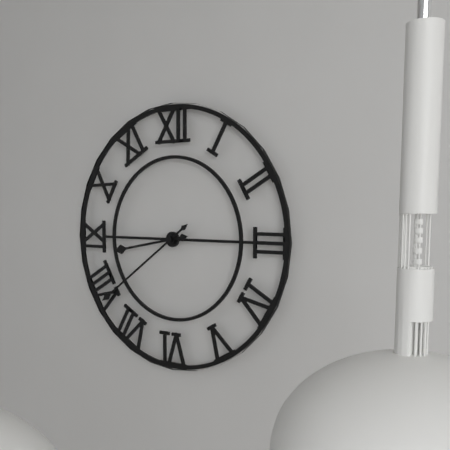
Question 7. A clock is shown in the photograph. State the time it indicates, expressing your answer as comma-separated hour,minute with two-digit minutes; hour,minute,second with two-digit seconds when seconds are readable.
8,39
